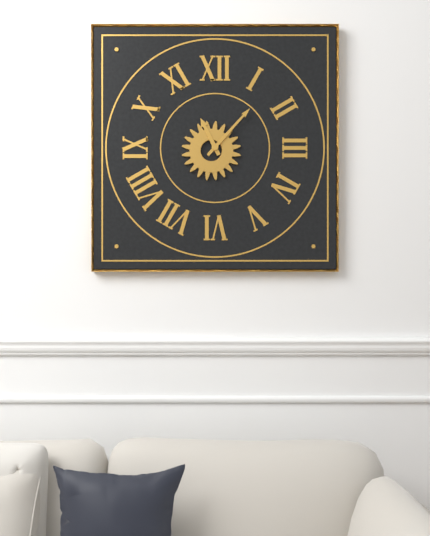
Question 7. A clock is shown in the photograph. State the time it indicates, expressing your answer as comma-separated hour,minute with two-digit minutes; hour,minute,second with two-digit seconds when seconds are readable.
11,07
